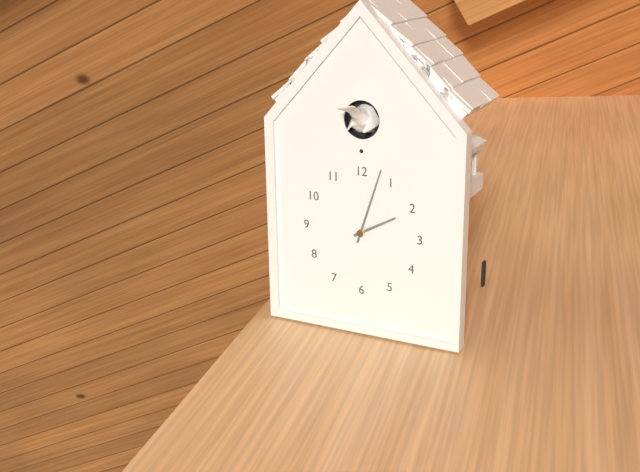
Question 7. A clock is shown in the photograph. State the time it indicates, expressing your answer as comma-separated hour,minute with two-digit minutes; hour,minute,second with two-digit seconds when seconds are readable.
2,03
